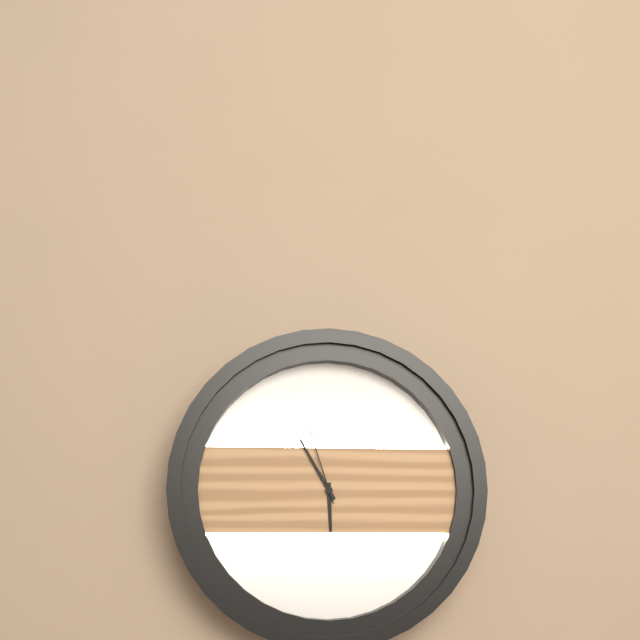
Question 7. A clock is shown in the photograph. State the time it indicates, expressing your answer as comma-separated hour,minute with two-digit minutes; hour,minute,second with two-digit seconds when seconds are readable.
5,55,57
